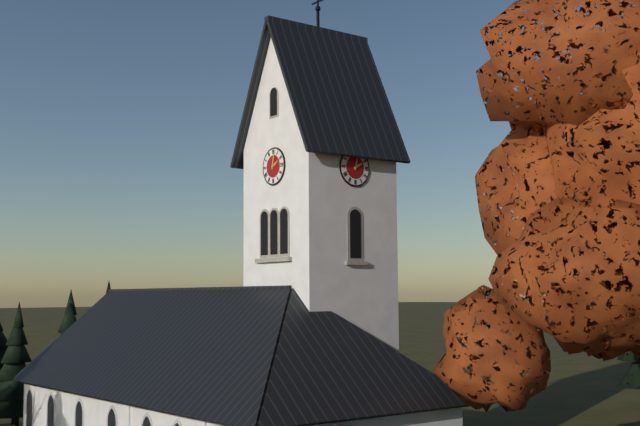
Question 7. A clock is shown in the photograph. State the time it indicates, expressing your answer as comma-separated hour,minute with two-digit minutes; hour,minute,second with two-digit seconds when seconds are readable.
2,02
